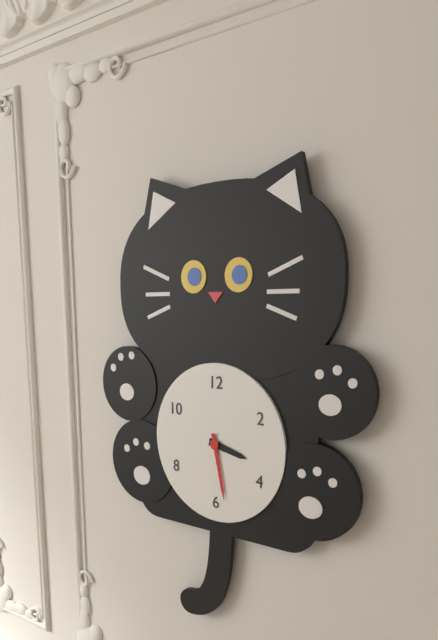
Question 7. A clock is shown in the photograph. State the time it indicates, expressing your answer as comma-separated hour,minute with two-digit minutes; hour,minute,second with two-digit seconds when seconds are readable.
3,28
